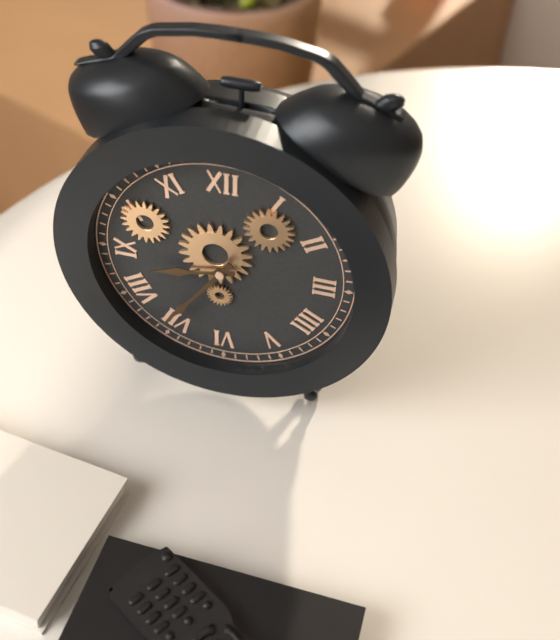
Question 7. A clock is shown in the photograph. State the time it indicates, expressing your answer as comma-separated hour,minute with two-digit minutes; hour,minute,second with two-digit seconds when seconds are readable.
8,36
